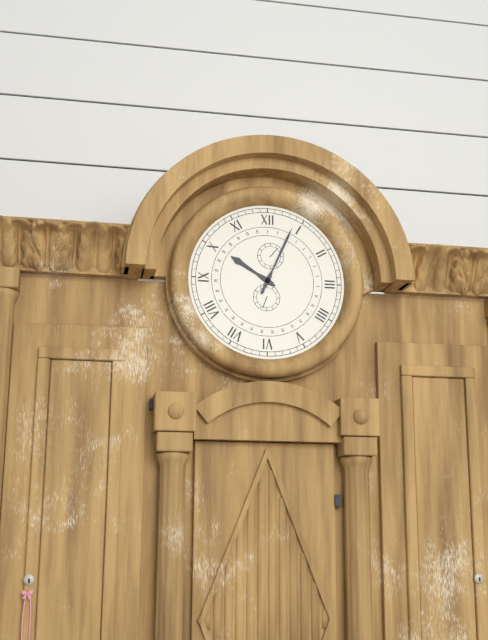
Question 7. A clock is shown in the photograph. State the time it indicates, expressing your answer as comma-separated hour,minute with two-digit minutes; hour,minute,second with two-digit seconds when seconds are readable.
10,04
